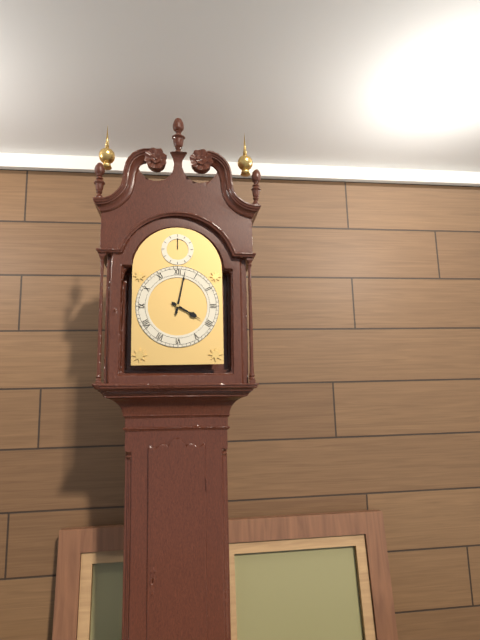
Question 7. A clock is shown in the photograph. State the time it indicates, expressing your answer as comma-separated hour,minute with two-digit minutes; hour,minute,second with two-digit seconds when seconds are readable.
4,02
